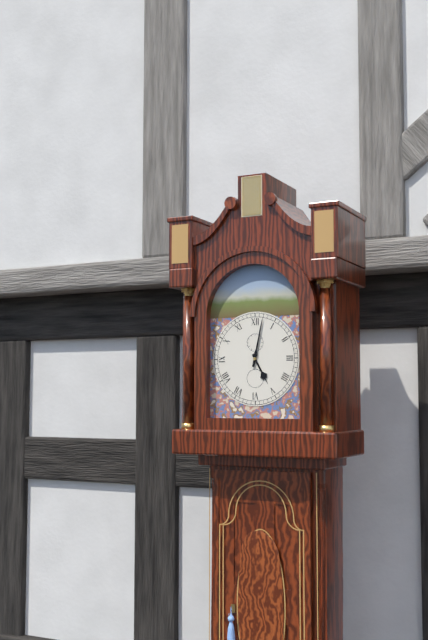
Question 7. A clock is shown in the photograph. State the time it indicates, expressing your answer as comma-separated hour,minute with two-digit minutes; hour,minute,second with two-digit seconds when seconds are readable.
5,02
